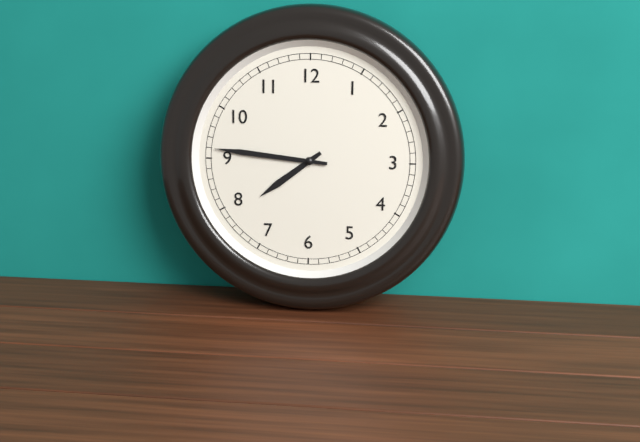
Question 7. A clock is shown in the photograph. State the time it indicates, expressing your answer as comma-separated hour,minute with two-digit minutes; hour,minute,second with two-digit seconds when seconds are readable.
7,46
